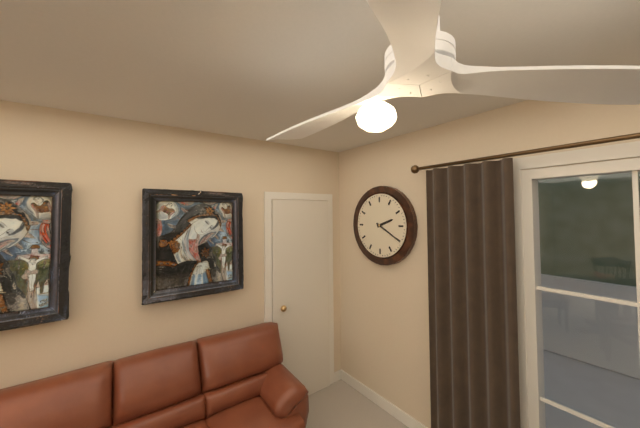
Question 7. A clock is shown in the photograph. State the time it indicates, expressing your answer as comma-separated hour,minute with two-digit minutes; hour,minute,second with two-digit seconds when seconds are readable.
2,20
